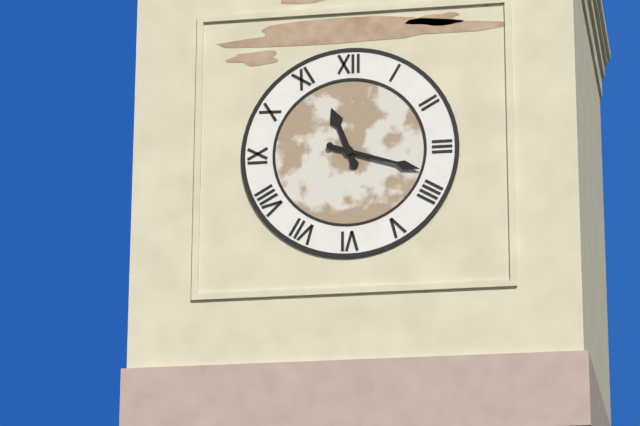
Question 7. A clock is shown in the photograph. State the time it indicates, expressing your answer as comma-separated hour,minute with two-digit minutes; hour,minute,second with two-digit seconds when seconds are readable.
11,18
